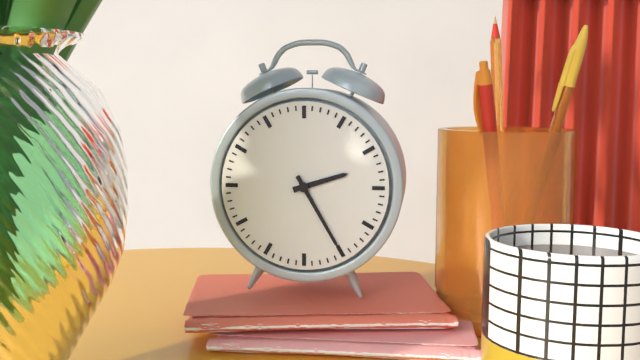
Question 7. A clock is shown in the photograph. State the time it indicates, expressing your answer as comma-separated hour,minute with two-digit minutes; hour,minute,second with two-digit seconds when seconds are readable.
2,25
